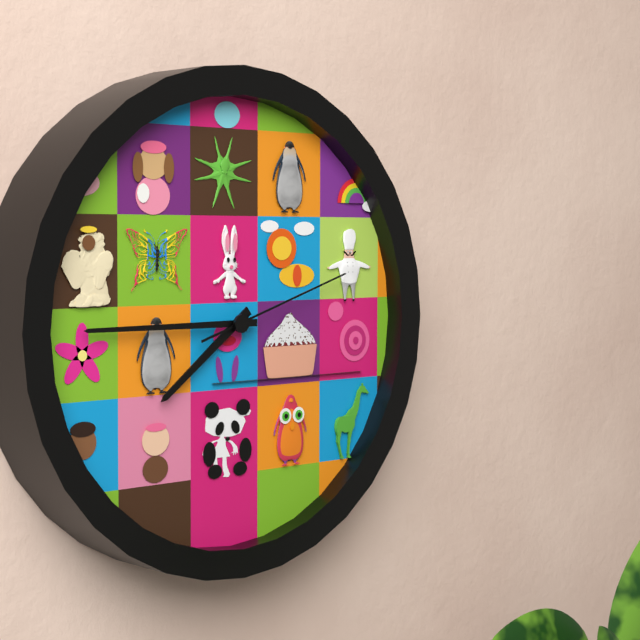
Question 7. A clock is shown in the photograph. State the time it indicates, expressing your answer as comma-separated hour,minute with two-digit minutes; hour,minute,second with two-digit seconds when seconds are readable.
7,45,12
